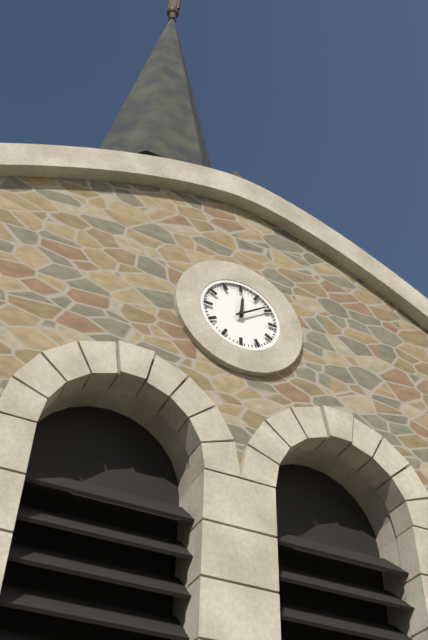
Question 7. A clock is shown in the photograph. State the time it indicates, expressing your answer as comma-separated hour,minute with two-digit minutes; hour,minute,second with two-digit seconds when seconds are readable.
12,09
